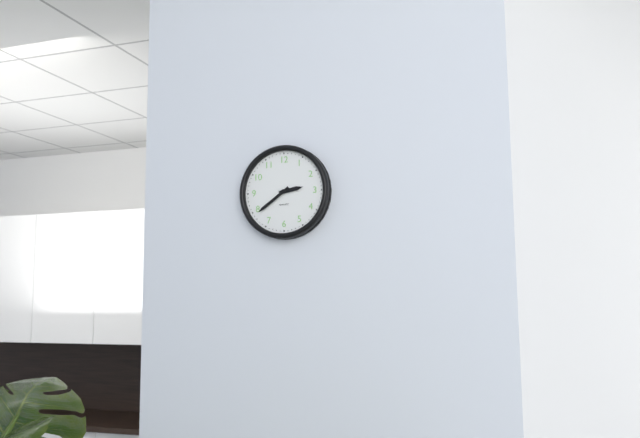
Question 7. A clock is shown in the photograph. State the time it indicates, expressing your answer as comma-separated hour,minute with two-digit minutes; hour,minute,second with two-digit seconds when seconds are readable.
2,39
